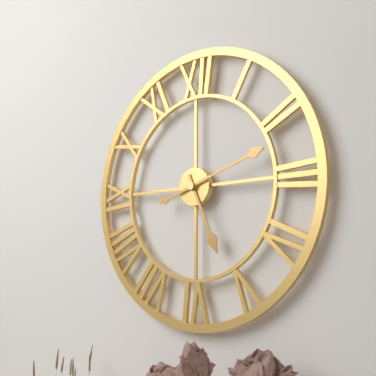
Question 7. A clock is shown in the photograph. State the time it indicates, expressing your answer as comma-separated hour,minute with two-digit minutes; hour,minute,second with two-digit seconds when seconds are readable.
5,12
